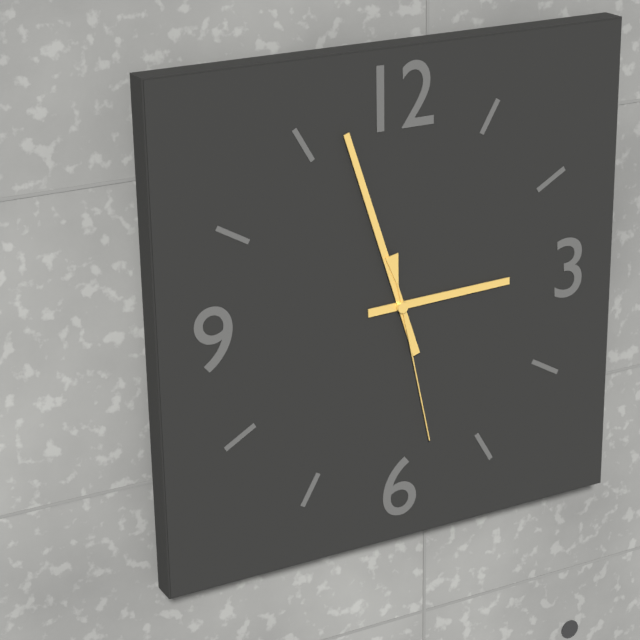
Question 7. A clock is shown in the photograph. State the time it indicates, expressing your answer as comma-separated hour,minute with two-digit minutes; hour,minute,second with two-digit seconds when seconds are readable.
2,57,28
